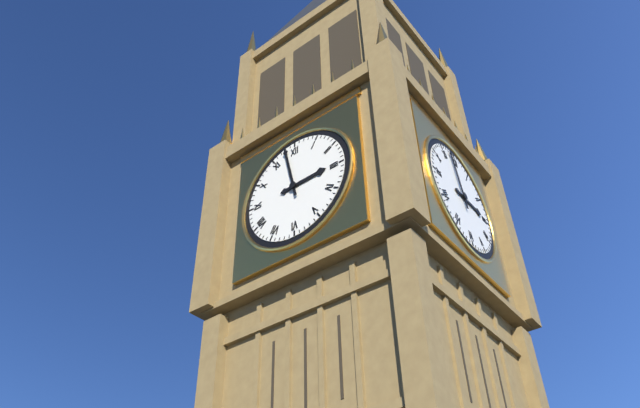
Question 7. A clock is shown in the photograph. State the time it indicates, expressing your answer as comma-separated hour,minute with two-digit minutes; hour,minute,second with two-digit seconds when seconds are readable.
2,58
